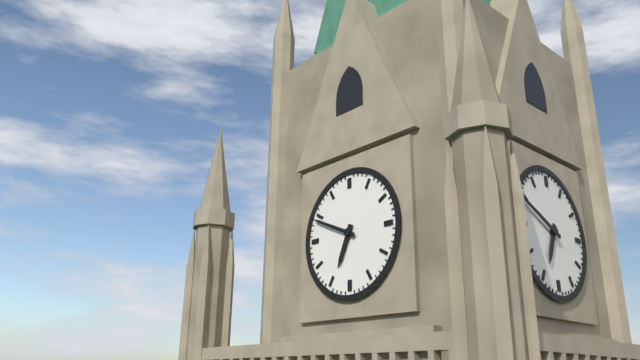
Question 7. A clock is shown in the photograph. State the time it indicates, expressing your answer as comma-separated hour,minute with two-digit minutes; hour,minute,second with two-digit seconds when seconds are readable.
6,49
